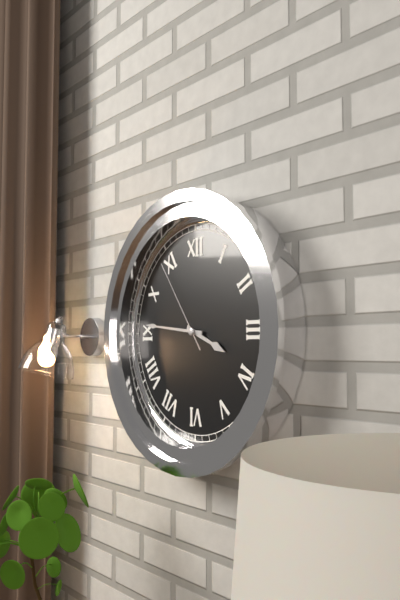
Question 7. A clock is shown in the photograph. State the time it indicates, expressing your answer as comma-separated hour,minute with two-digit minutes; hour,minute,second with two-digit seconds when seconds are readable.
3,46,54
